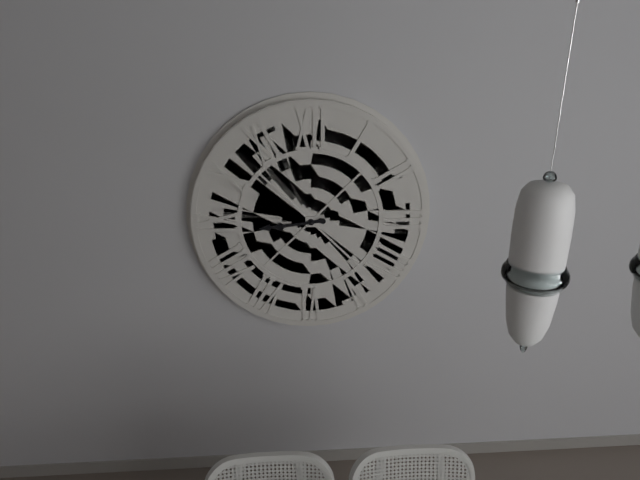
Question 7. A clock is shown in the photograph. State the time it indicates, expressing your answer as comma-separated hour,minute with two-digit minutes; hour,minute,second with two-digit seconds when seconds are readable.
8,44
